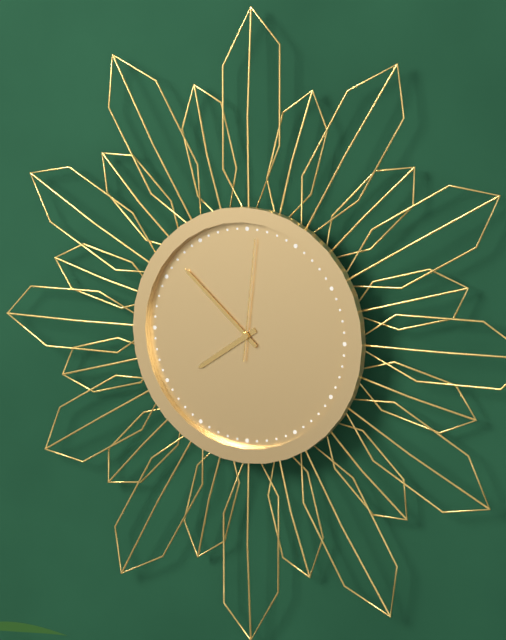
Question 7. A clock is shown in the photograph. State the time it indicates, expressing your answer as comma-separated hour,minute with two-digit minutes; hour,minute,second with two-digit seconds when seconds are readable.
7,52,01
